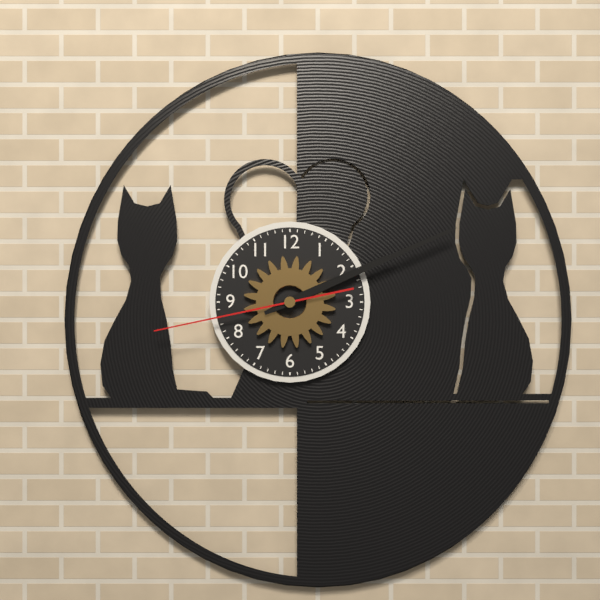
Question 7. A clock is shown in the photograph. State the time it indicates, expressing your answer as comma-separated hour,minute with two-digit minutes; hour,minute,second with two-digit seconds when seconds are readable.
2,11,43
